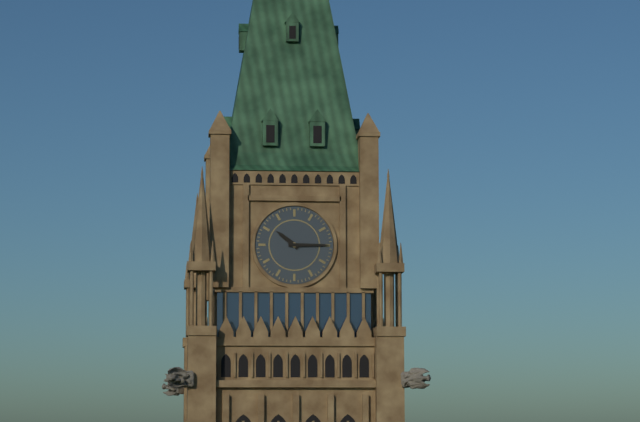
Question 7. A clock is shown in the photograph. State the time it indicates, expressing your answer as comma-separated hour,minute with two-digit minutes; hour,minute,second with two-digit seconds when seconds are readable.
10,15
